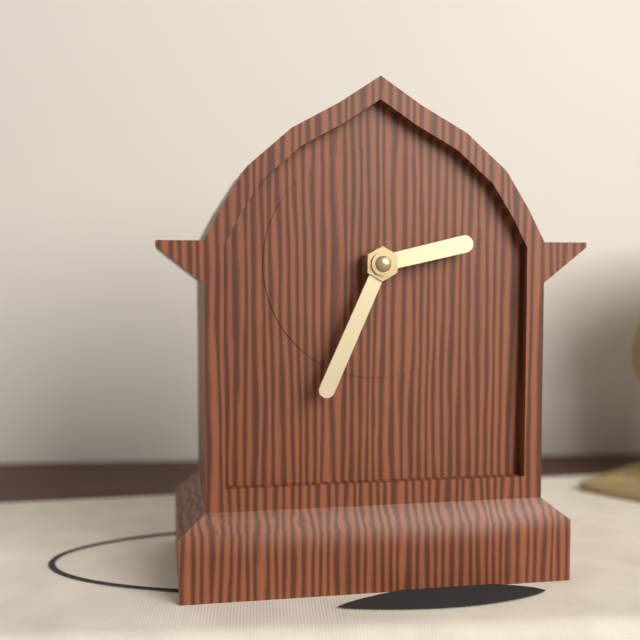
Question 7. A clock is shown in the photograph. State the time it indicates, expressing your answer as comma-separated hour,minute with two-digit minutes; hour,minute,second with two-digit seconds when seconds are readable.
2,34
